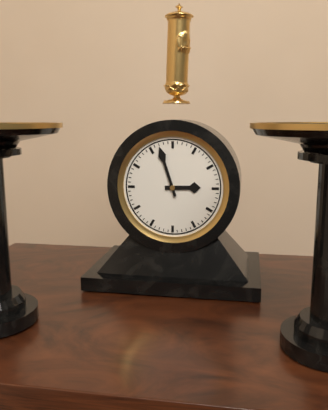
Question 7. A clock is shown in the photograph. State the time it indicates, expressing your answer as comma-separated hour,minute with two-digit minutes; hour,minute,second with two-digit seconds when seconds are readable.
2,57
